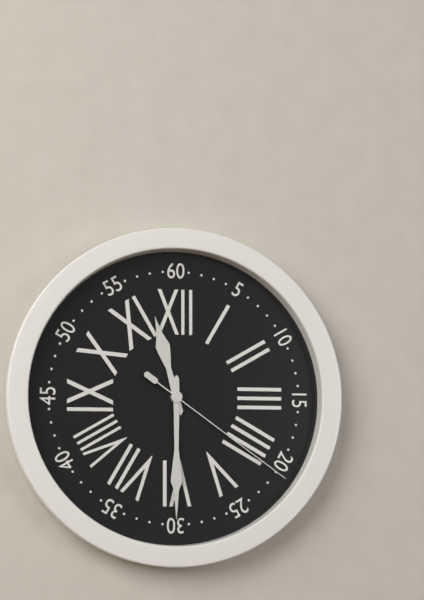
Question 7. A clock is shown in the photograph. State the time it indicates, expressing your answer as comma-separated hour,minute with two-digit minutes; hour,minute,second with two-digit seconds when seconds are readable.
11,30,21
